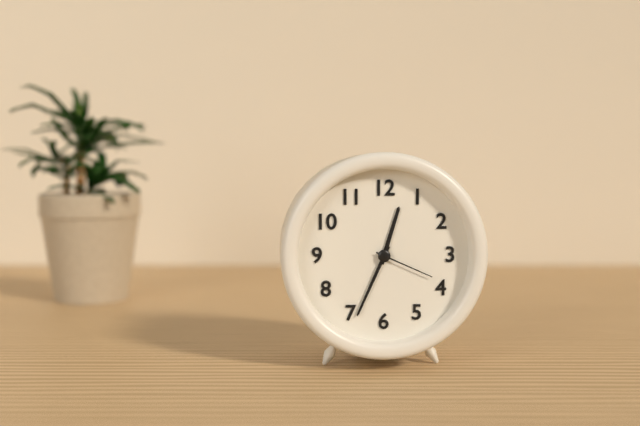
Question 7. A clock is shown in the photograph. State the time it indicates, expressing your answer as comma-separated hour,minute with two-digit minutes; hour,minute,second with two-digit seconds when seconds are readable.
12,34,19
